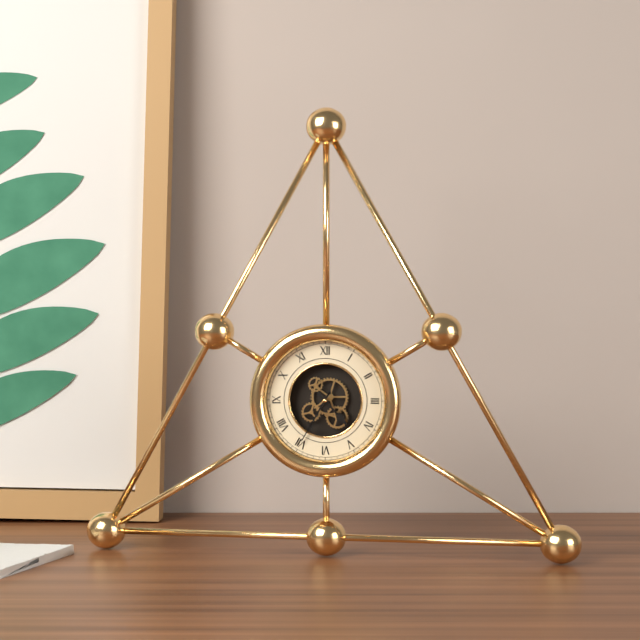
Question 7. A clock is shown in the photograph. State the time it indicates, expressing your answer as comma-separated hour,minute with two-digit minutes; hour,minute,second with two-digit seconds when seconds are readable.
4,35
